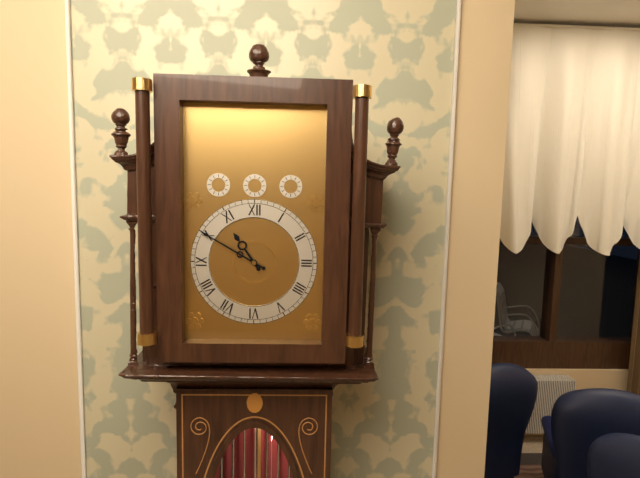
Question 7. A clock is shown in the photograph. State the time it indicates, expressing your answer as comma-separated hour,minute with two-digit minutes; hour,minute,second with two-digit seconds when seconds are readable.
10,50
